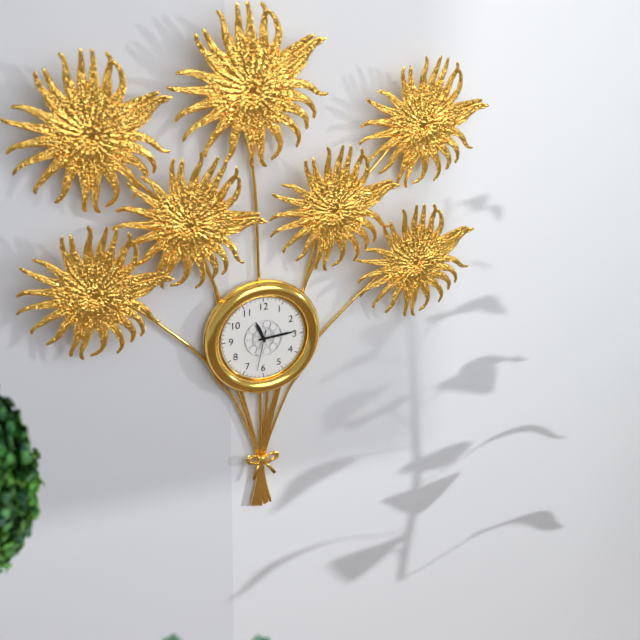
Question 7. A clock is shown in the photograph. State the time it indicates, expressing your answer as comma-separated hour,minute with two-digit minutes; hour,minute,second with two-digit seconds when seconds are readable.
11,14
